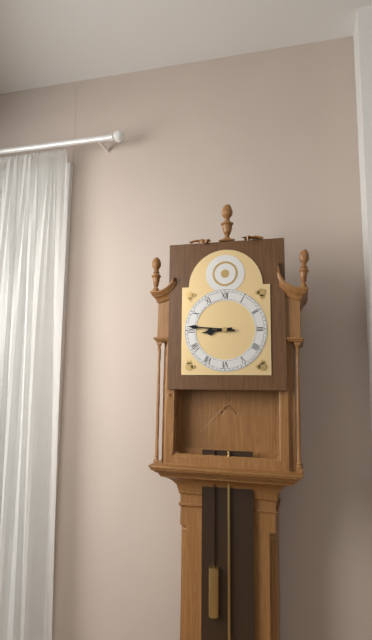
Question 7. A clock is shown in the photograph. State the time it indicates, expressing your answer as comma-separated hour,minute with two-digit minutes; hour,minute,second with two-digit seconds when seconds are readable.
8,46
